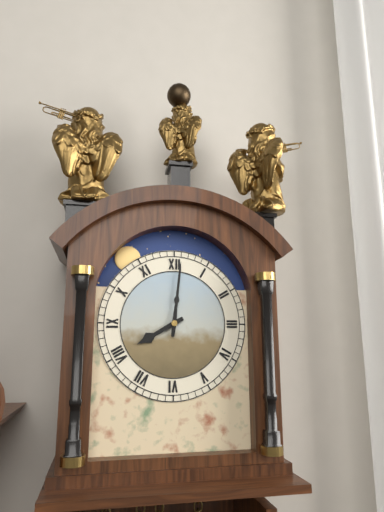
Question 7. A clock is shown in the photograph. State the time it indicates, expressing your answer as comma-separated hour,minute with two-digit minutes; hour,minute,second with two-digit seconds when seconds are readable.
8,01
